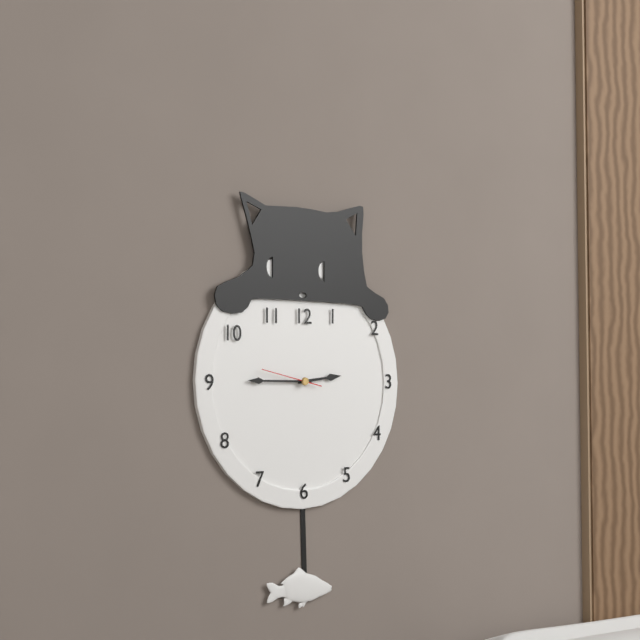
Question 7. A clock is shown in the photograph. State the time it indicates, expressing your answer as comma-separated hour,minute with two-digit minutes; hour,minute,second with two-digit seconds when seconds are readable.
2,45,47
